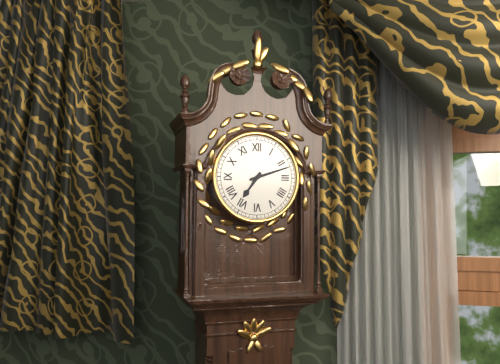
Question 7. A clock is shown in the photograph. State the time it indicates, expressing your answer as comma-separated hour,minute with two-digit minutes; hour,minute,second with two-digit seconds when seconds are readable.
7,12
